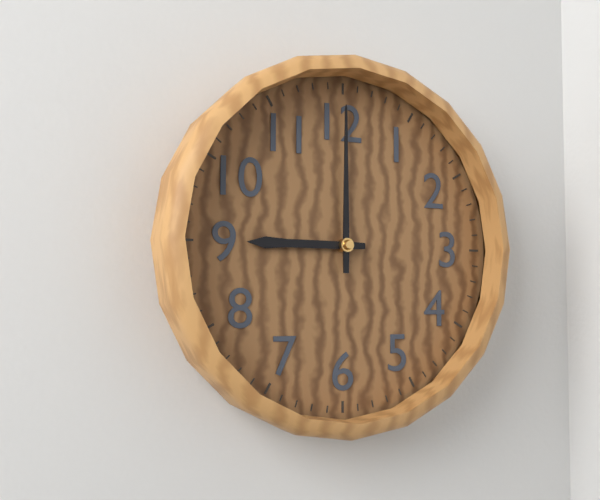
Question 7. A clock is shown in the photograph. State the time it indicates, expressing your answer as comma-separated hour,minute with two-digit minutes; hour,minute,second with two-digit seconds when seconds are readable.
9,00
